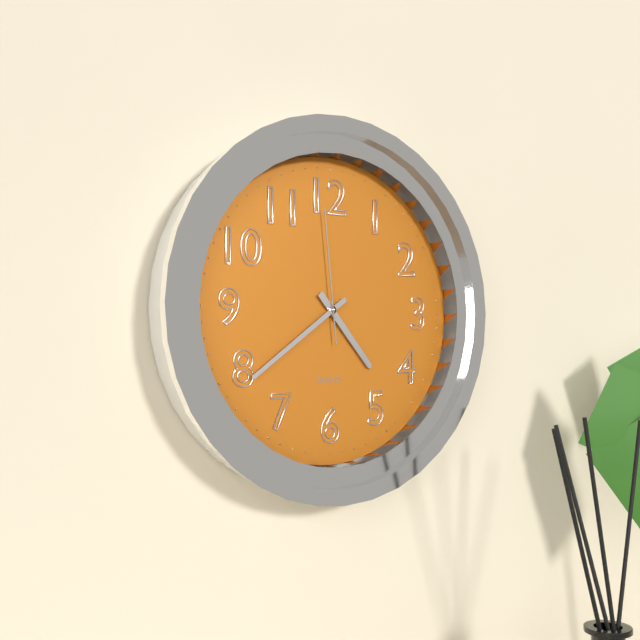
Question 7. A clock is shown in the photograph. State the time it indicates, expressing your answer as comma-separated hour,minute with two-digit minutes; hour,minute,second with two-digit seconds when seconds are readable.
4,39,59
